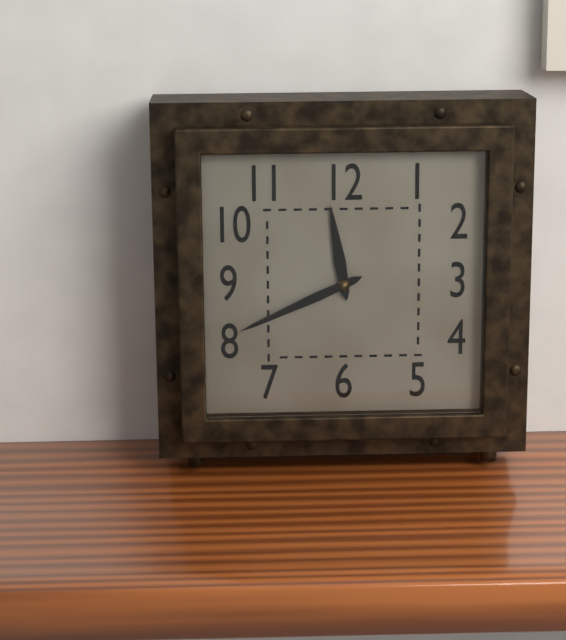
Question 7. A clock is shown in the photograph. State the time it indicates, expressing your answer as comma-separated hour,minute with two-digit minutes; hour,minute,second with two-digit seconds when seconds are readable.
11,41
